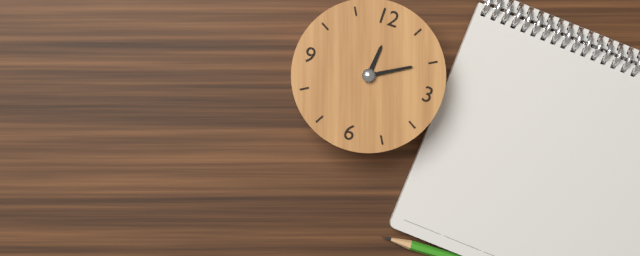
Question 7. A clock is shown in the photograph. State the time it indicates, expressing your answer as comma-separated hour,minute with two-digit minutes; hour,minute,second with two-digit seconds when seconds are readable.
12,10
